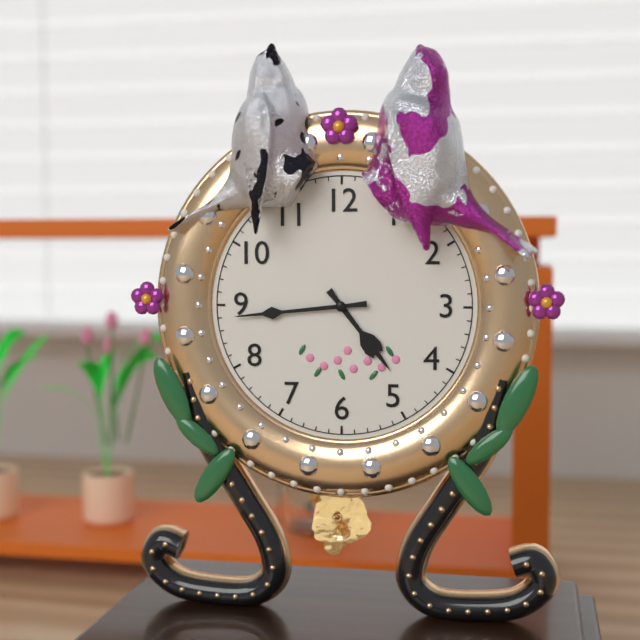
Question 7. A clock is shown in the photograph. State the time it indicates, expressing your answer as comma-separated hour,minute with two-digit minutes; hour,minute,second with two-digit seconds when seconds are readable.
4,44
